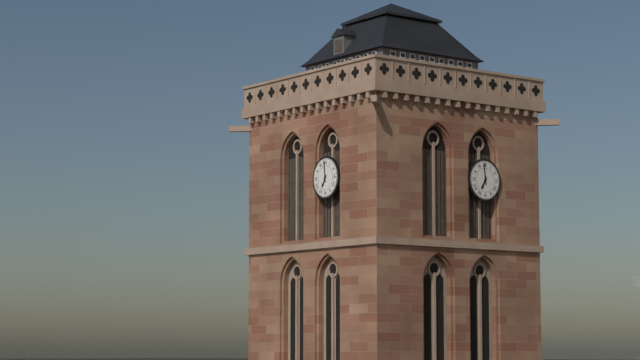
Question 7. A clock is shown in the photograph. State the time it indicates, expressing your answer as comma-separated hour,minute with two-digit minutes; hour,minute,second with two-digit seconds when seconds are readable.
6,59
